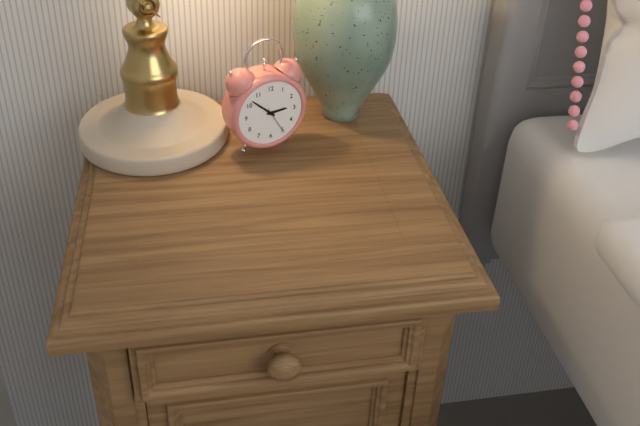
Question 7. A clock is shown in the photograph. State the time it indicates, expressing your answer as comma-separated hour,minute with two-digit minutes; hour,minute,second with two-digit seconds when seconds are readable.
2,52
